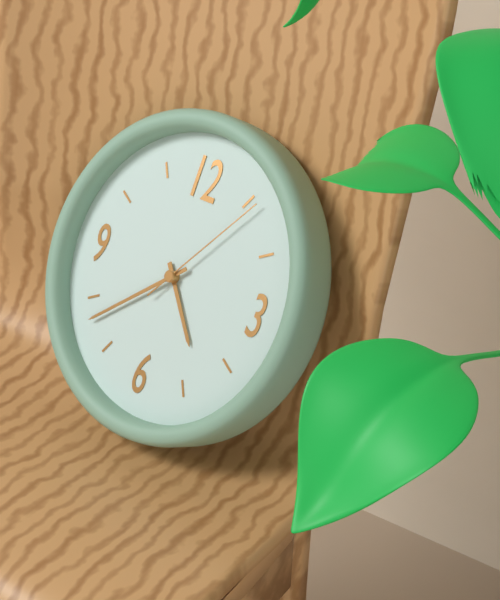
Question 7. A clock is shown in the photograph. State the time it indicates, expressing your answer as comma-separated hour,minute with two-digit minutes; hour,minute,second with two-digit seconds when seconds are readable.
4,38,06
